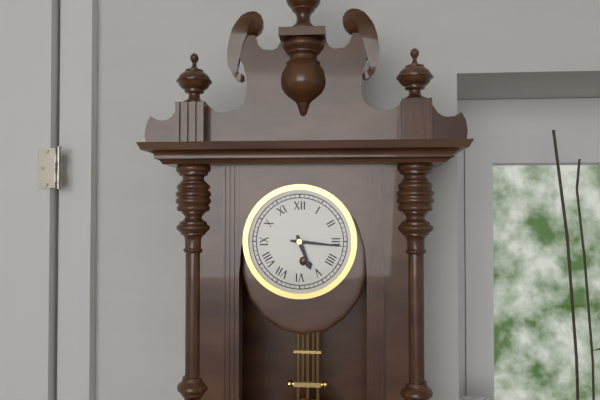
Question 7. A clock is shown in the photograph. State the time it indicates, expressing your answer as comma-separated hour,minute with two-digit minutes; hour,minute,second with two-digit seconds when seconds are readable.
5,16
